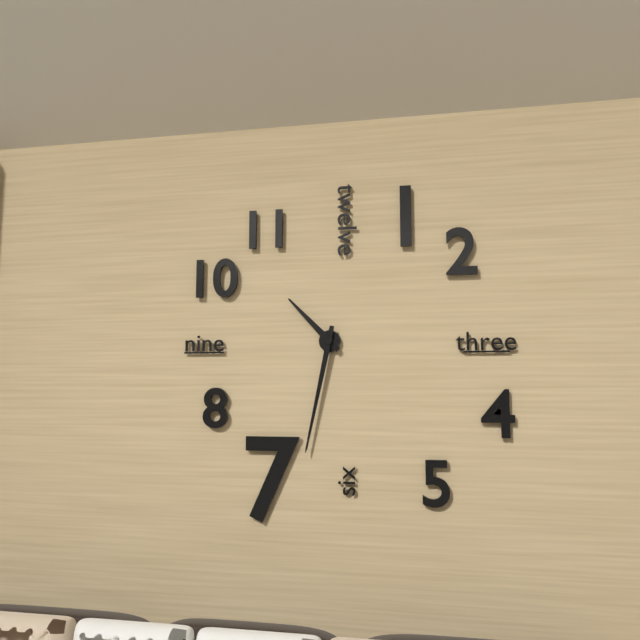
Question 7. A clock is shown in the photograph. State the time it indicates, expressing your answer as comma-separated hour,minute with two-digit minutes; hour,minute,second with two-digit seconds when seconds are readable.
10,32
